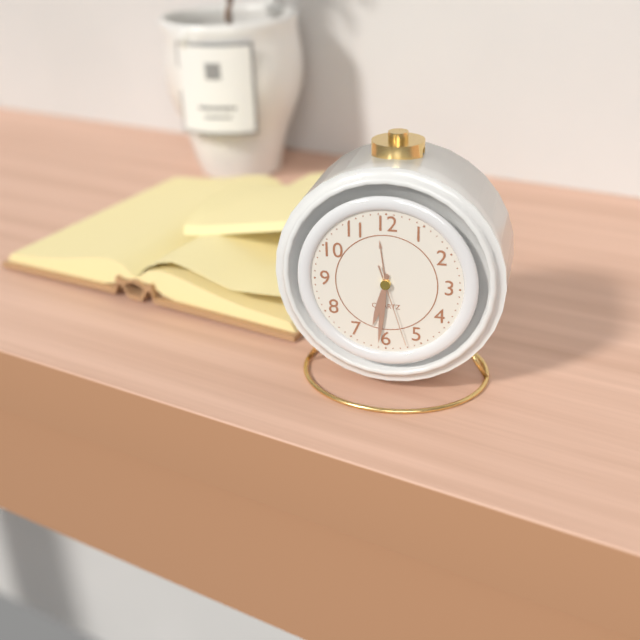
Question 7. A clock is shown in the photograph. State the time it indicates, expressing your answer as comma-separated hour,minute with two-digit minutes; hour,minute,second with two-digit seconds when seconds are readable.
6,31,27
